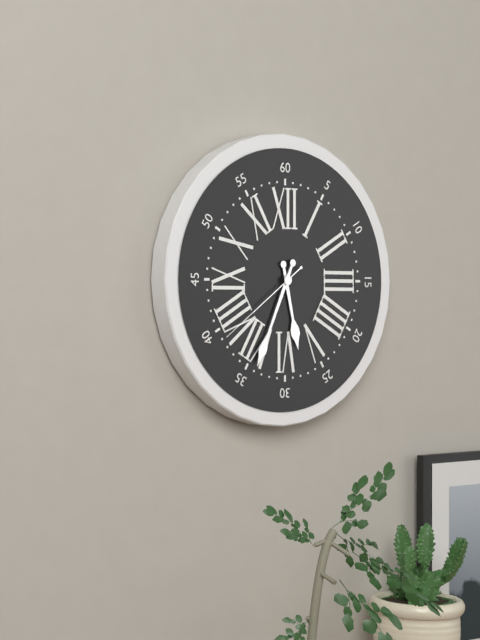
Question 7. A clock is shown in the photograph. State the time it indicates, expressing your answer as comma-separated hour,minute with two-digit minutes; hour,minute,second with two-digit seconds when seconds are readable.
5,34,39
